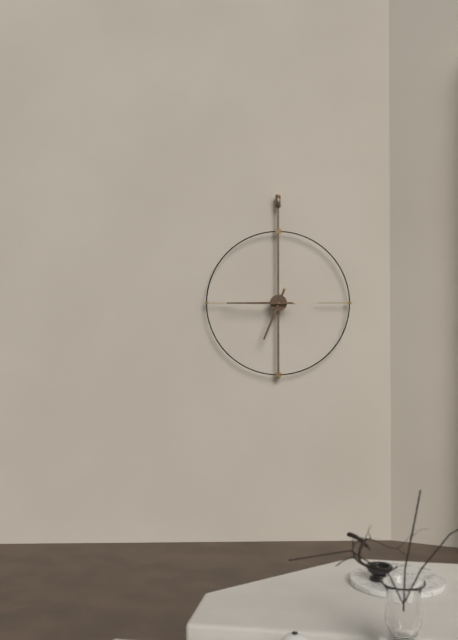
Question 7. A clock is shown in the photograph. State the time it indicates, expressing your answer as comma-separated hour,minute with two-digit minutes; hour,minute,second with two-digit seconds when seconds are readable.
6,45
